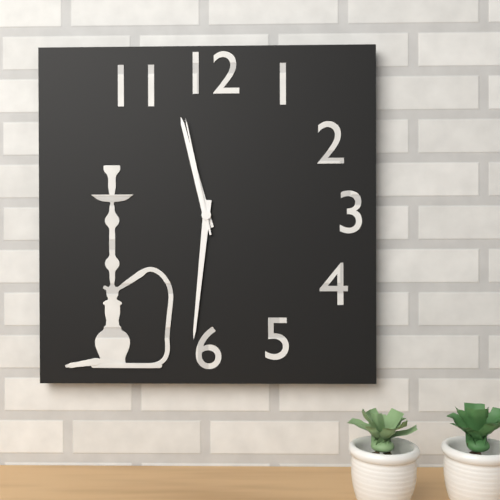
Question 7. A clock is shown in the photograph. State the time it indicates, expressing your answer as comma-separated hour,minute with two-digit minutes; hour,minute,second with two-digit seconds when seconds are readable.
11,31,58
